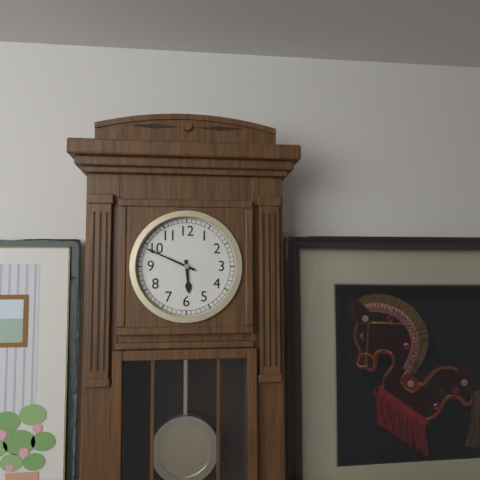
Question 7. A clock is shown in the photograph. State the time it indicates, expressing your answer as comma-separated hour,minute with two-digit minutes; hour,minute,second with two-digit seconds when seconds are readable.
5,49
